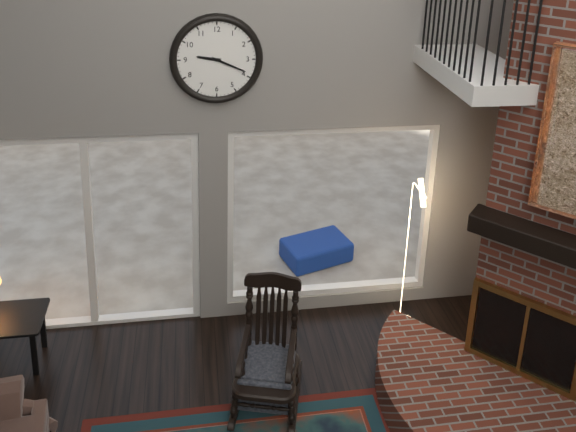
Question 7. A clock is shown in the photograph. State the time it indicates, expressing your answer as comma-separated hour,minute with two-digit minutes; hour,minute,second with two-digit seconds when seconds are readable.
9,19
